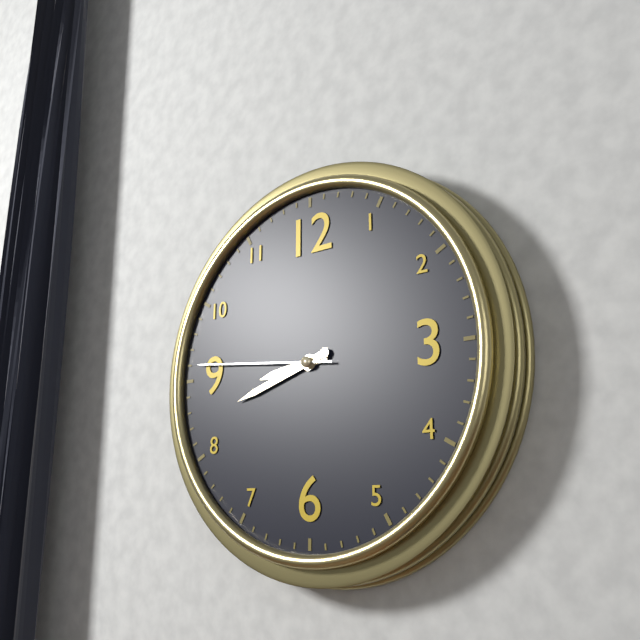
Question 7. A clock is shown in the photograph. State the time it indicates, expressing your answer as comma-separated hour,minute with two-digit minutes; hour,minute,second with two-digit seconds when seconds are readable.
8,42,46
